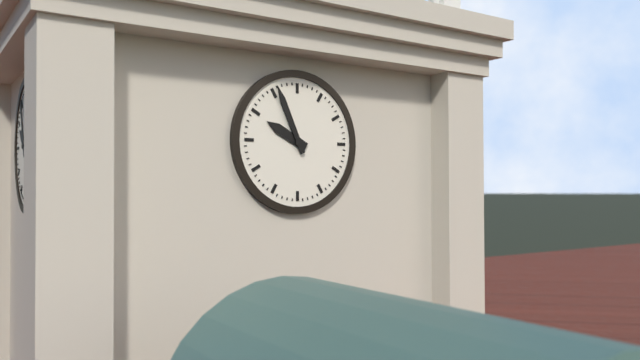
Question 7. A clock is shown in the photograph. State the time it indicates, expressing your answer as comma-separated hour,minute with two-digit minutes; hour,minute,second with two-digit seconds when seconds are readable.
9,56
